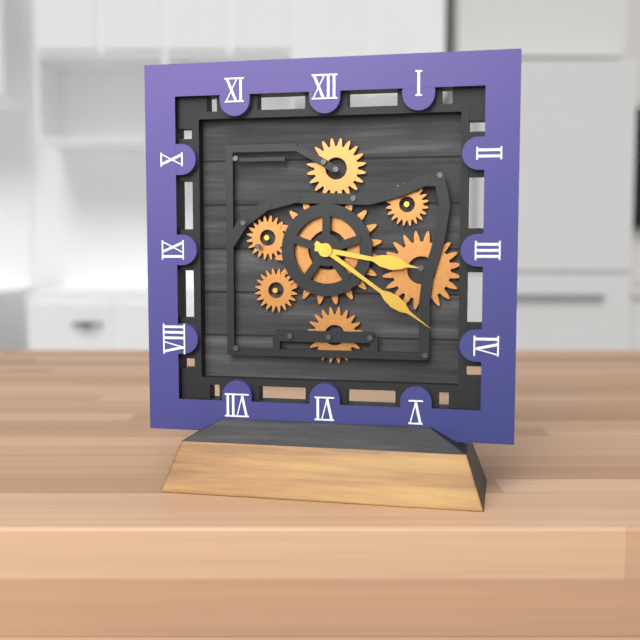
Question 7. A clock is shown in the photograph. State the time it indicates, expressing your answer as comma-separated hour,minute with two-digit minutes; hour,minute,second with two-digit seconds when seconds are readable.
3,21
